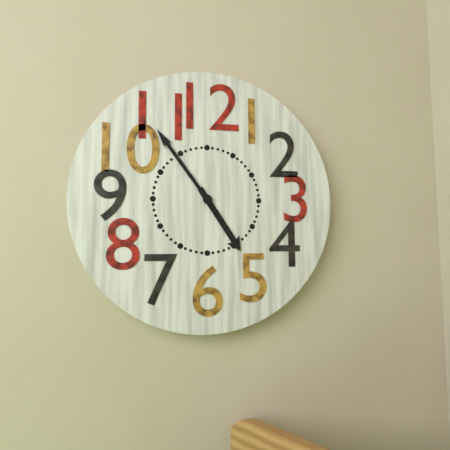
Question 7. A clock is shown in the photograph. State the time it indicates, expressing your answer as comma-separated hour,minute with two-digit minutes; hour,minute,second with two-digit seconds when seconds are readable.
4,54
